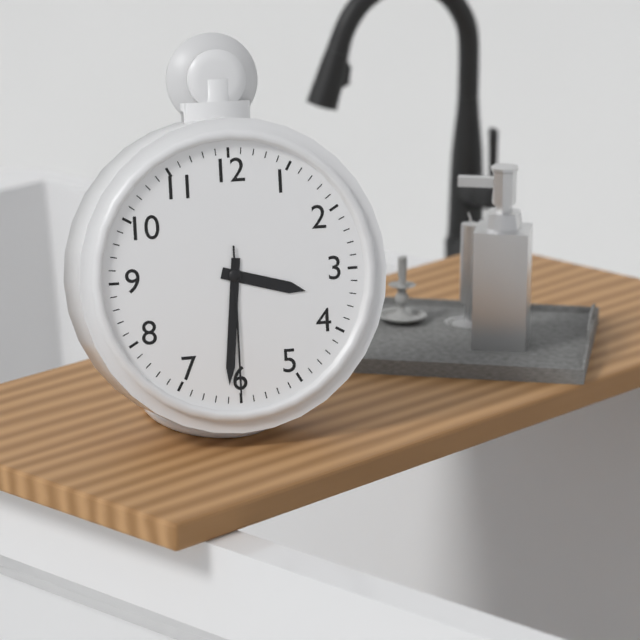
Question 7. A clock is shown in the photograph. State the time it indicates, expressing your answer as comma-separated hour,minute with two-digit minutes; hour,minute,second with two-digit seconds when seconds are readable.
3,31,30
